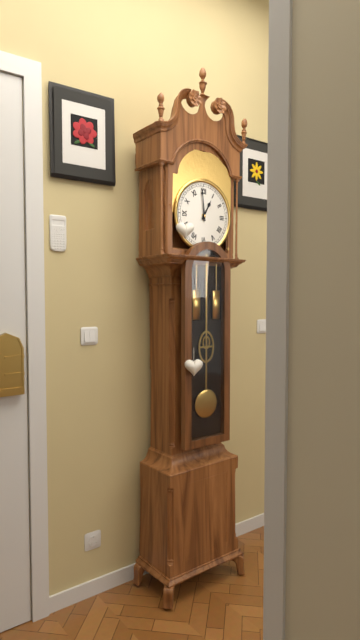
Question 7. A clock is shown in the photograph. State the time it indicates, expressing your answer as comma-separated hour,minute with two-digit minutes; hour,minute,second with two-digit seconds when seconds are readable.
12,59
